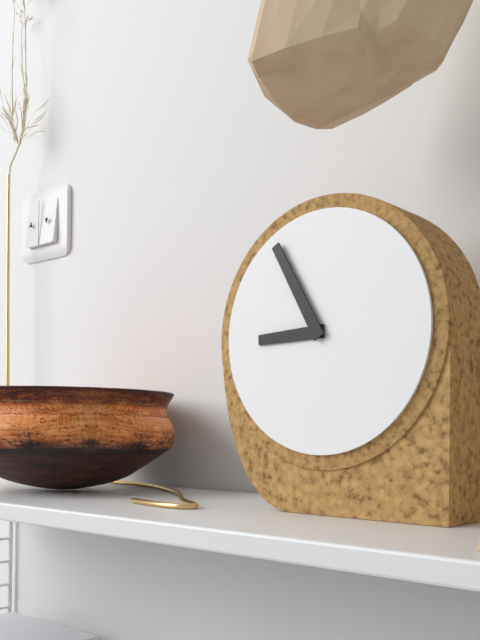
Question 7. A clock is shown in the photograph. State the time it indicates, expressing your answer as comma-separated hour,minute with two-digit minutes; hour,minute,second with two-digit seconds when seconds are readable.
8,55
